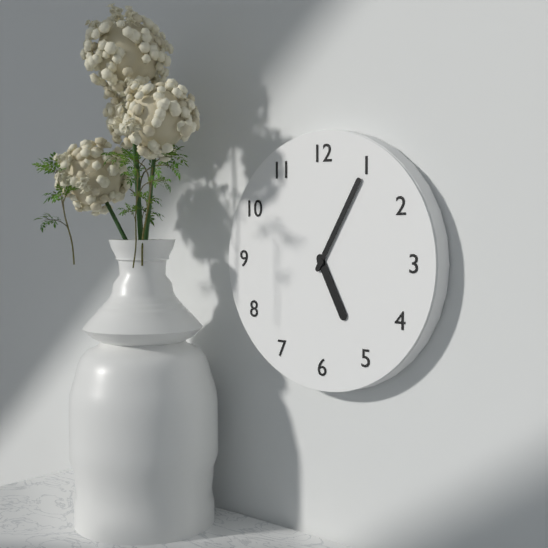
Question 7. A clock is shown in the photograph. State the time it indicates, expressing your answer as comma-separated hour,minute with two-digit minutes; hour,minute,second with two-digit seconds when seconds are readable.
5,05
